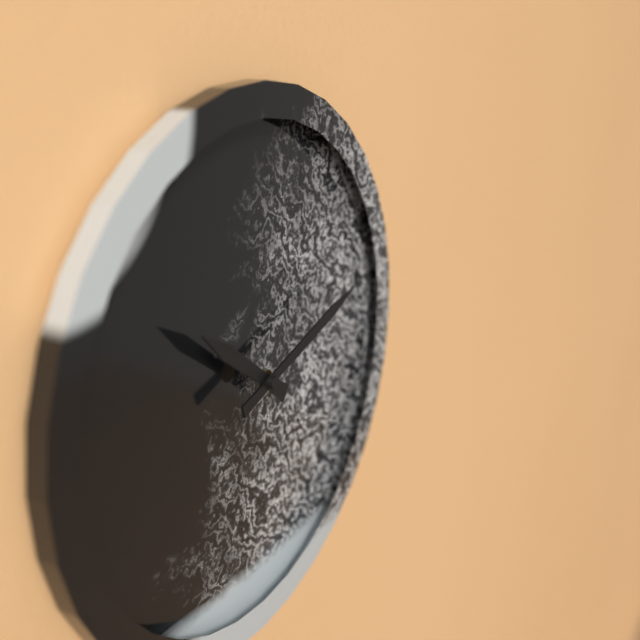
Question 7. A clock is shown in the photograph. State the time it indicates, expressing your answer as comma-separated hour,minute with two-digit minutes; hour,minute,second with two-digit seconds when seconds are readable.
10,12
